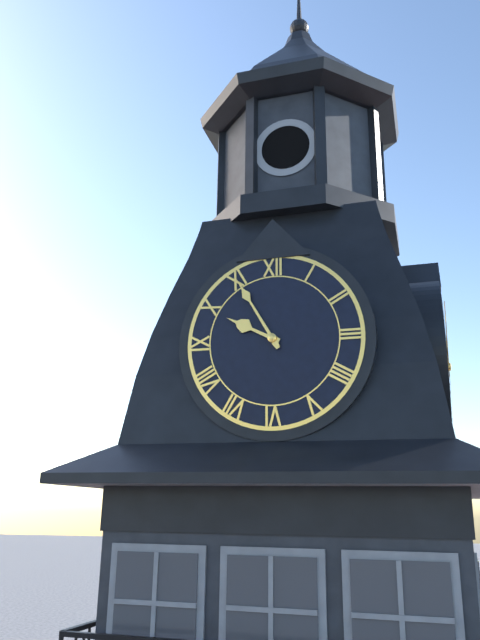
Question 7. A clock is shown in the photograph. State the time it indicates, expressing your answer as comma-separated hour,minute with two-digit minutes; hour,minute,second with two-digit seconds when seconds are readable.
9,55
